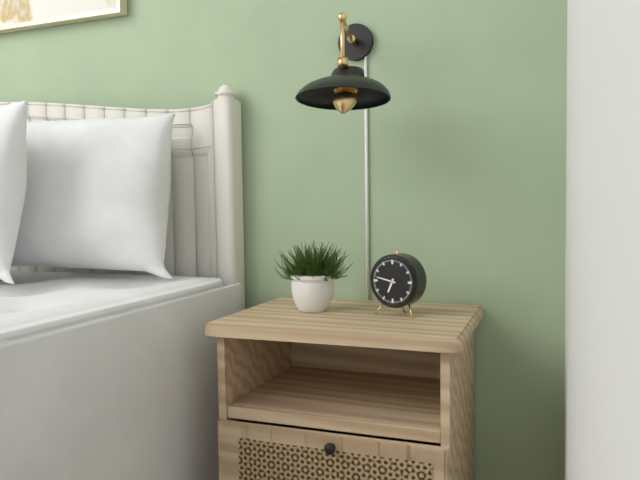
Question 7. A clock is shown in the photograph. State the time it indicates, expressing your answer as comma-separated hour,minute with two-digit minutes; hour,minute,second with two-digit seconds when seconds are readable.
6,47
